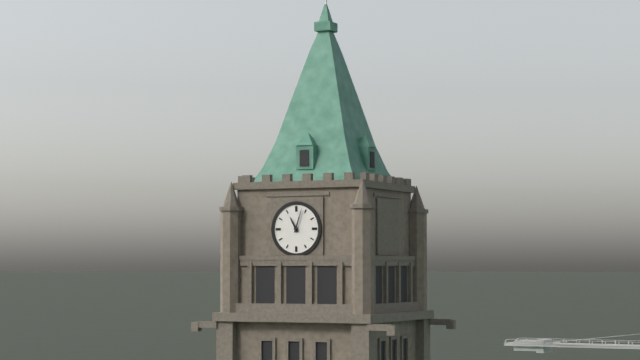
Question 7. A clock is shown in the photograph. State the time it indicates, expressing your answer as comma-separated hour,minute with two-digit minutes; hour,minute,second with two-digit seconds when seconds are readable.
11,03
